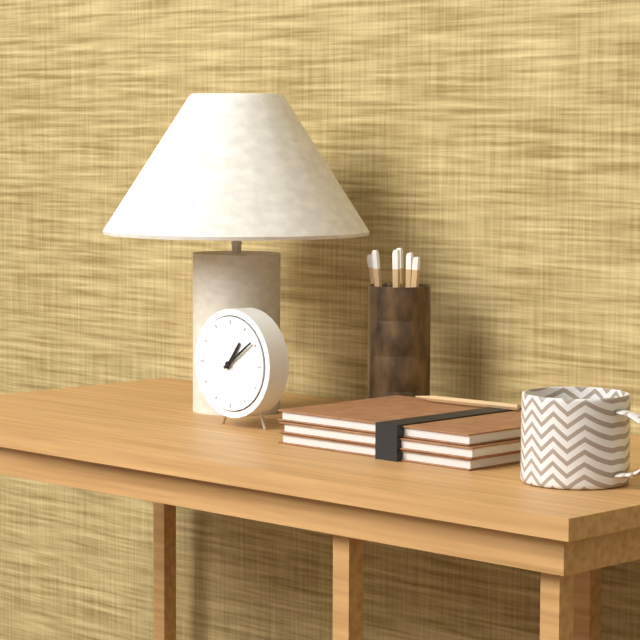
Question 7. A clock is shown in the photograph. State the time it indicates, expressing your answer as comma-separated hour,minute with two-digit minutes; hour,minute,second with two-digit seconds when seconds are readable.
1,09
